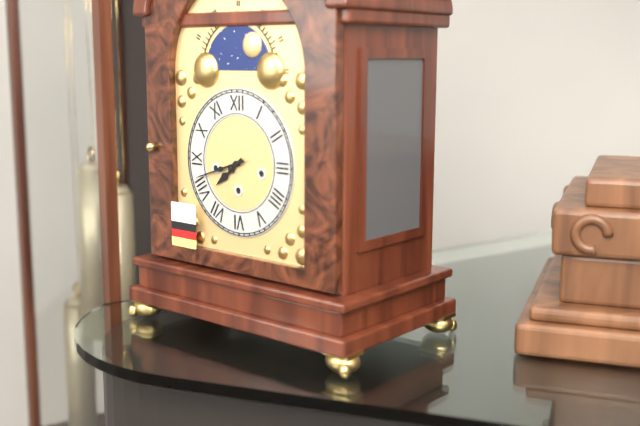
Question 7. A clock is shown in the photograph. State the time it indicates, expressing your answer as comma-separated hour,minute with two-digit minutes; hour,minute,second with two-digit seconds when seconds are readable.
7,42
